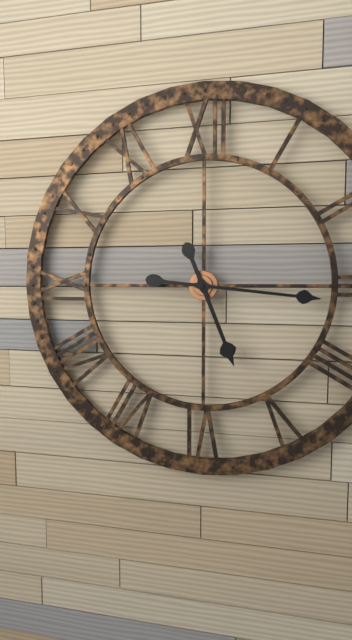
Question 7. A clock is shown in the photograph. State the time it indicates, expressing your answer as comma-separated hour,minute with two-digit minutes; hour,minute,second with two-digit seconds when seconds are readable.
5,16
